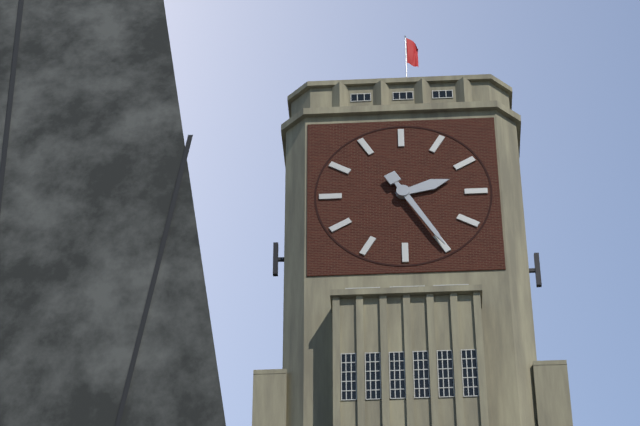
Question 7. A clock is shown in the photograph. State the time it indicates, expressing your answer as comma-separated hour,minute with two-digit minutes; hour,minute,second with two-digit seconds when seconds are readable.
2,25
